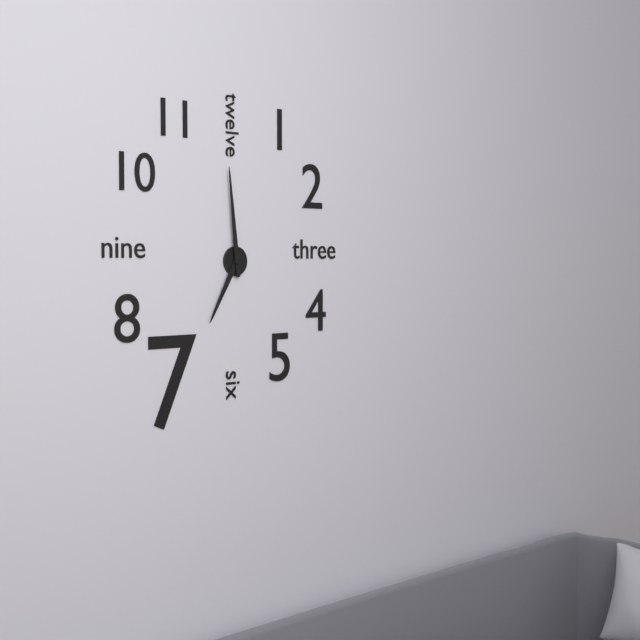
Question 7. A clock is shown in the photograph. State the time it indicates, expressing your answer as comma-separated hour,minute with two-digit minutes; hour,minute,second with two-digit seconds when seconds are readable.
6,59
